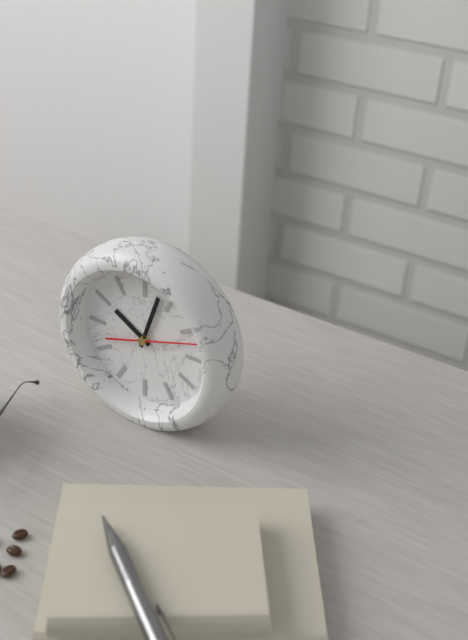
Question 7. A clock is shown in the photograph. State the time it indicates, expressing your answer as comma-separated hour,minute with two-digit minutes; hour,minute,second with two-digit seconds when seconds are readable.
10,03,12
